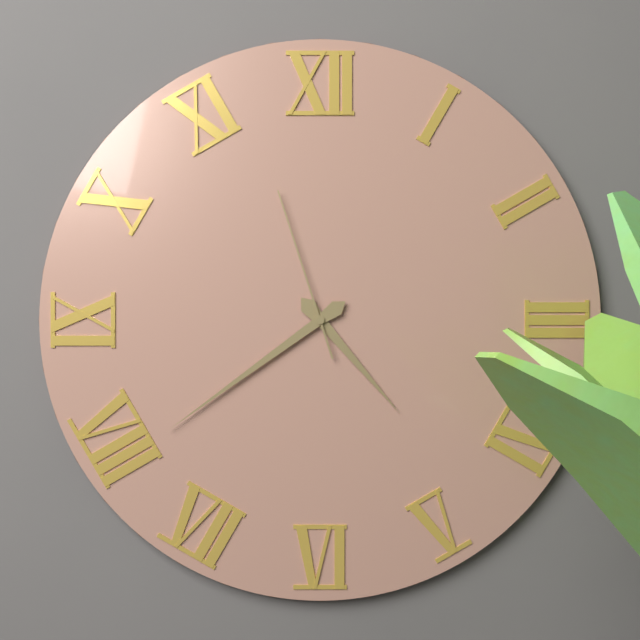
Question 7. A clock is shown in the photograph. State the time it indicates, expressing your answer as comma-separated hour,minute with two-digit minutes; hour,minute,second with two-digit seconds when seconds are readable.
4,39,57
